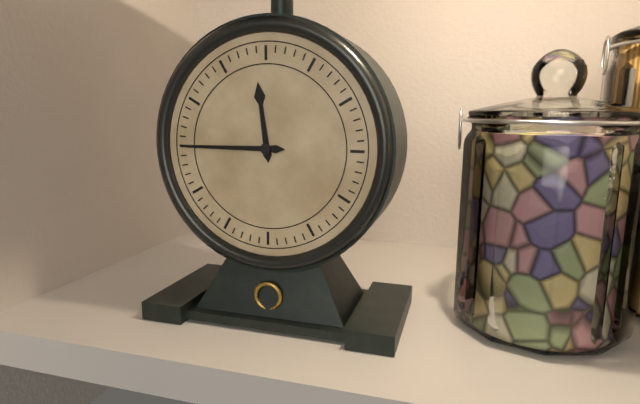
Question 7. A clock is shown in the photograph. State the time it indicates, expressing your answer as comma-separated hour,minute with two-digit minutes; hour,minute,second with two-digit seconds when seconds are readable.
11,45
